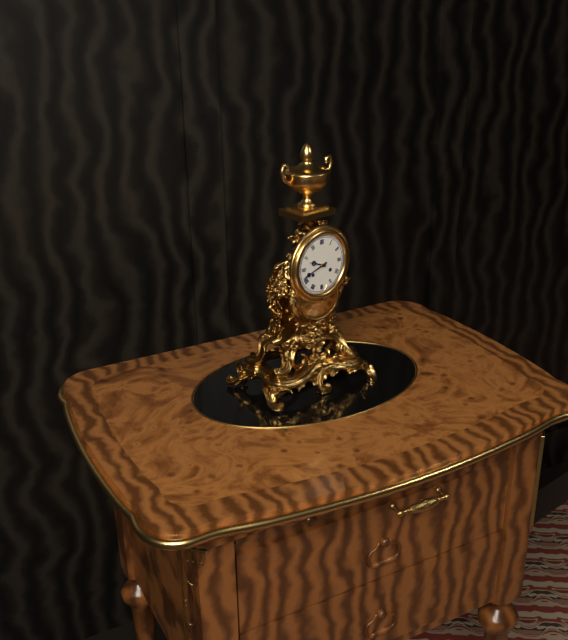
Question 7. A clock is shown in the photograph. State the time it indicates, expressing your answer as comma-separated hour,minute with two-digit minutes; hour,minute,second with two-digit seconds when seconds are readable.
9,42
